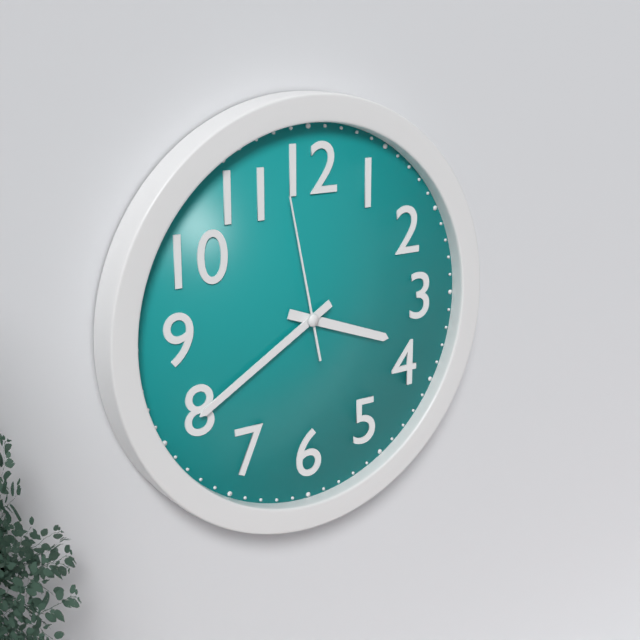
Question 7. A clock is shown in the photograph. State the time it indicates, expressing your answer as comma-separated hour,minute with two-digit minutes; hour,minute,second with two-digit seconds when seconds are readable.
3,40,58
